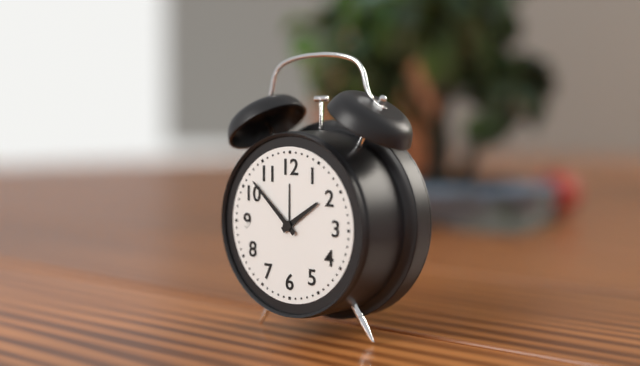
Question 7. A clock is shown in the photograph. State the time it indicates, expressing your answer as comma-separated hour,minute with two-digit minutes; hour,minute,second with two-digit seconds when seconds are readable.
1,52
